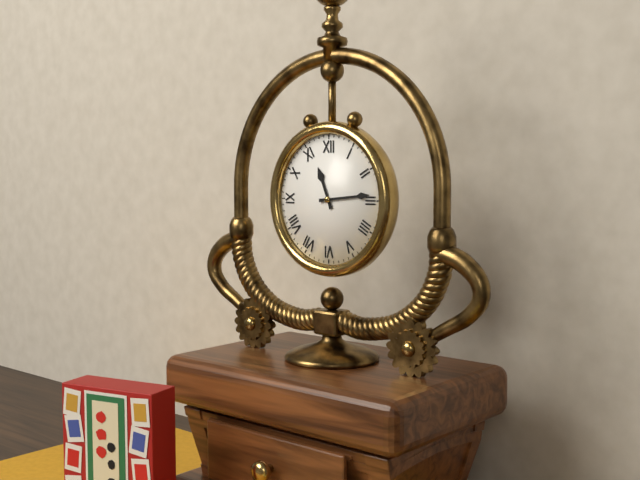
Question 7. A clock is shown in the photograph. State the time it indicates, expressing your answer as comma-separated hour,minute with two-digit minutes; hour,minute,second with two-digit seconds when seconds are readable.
11,14
